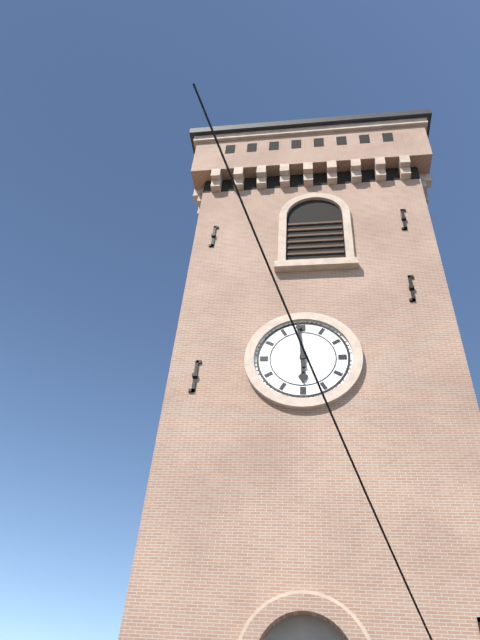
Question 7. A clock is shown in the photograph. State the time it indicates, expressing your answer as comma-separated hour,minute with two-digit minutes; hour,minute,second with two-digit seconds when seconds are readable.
5,59
